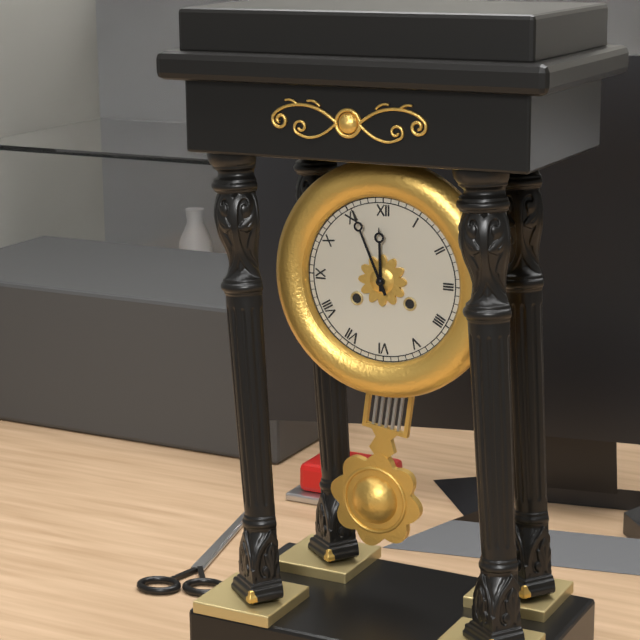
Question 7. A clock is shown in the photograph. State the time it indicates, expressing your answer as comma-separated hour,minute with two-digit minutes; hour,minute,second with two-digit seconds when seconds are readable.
11,56
